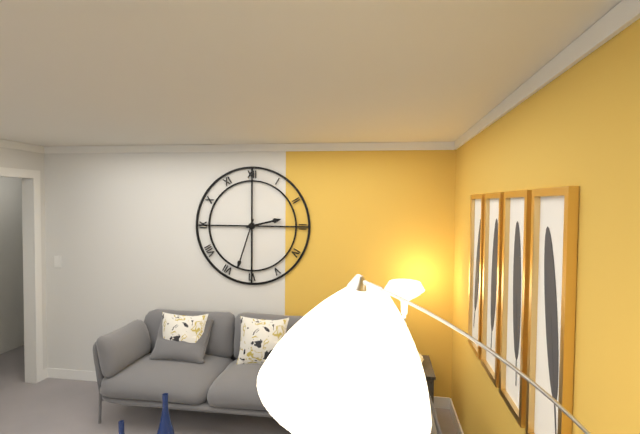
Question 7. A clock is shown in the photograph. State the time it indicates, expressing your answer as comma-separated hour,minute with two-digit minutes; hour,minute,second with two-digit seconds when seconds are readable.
2,33
